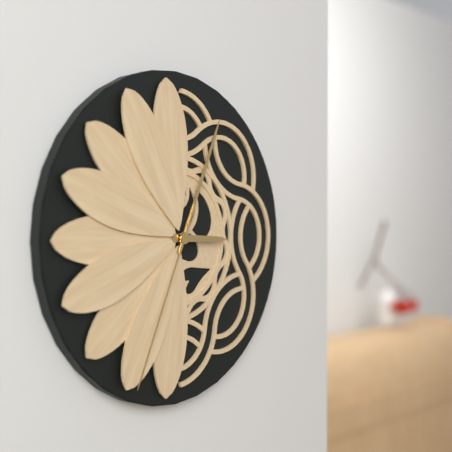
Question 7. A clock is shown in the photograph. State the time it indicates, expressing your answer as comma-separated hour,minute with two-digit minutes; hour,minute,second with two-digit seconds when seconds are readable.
3,04,34
